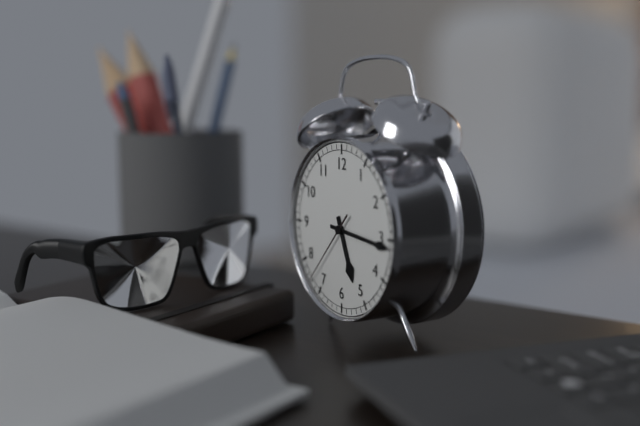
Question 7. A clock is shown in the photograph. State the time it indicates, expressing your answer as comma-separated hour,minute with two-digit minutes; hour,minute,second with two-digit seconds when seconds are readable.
5,16,37
